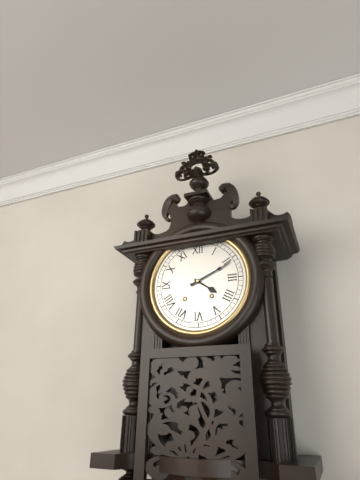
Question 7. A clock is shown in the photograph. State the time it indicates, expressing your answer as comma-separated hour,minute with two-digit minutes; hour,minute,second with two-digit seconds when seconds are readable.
4,11
